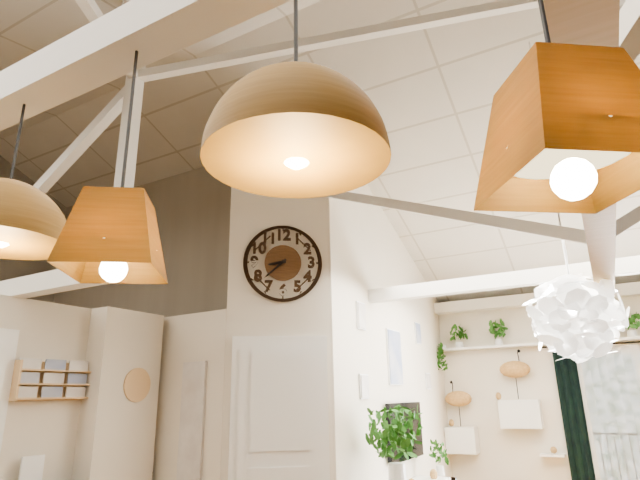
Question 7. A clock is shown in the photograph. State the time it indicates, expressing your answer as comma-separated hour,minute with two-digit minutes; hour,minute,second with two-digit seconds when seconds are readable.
8,38
